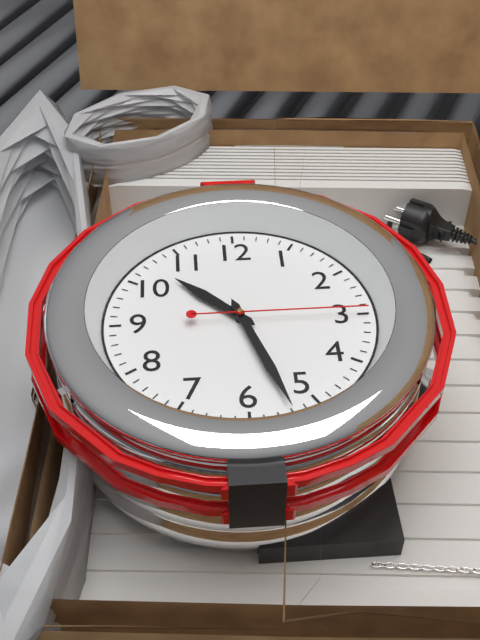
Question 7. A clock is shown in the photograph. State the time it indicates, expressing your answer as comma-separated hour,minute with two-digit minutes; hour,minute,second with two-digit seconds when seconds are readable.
10,27,15
